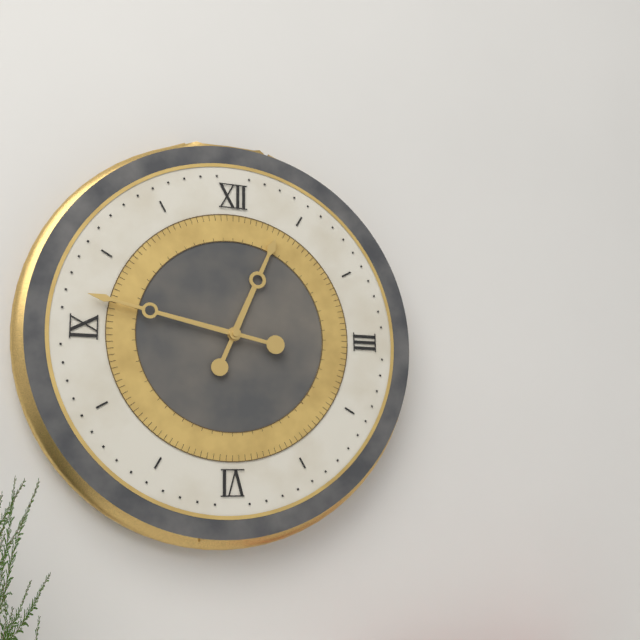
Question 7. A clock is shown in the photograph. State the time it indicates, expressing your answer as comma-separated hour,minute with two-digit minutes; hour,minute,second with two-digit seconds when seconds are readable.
12,47
